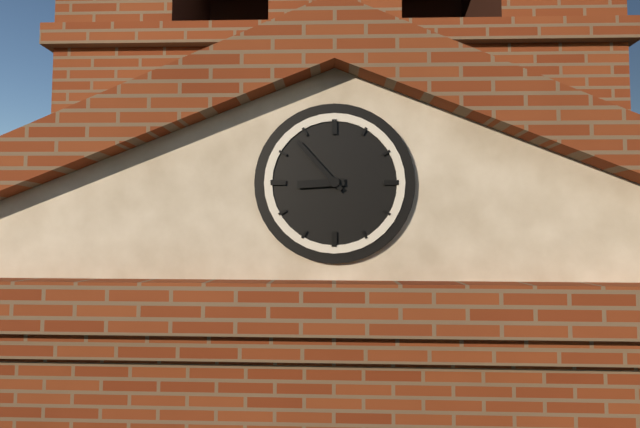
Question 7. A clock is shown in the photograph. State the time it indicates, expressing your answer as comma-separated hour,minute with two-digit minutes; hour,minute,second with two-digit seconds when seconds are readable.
8,53
